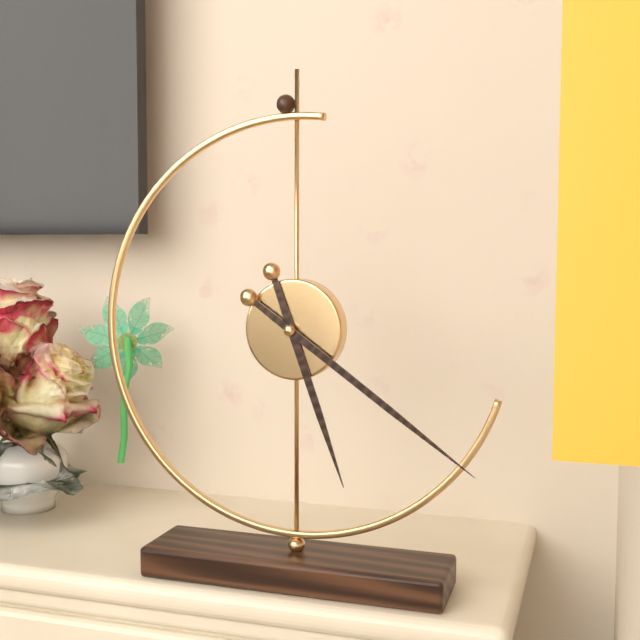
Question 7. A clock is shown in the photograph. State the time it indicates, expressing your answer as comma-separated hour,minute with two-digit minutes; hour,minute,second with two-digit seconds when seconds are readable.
5,21
